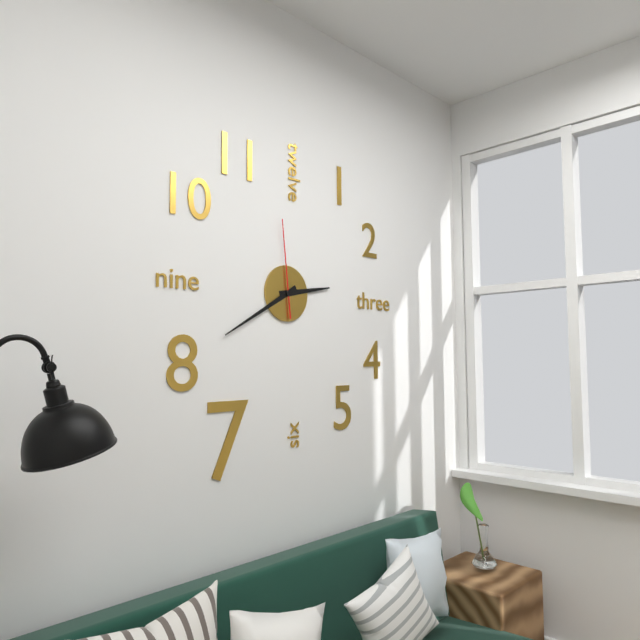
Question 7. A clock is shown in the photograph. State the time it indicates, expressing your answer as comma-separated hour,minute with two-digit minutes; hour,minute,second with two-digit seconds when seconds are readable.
2,40,59
